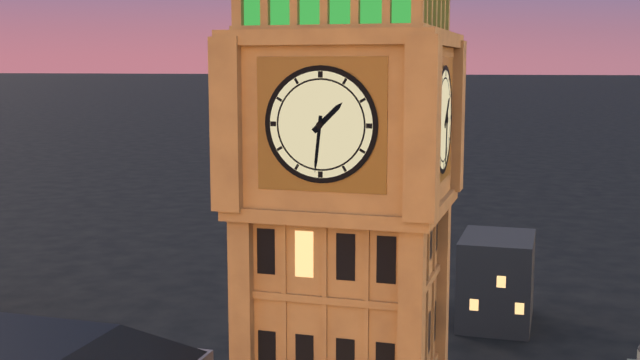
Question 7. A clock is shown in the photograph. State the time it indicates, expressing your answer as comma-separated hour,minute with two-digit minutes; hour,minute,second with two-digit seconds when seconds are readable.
1,31
